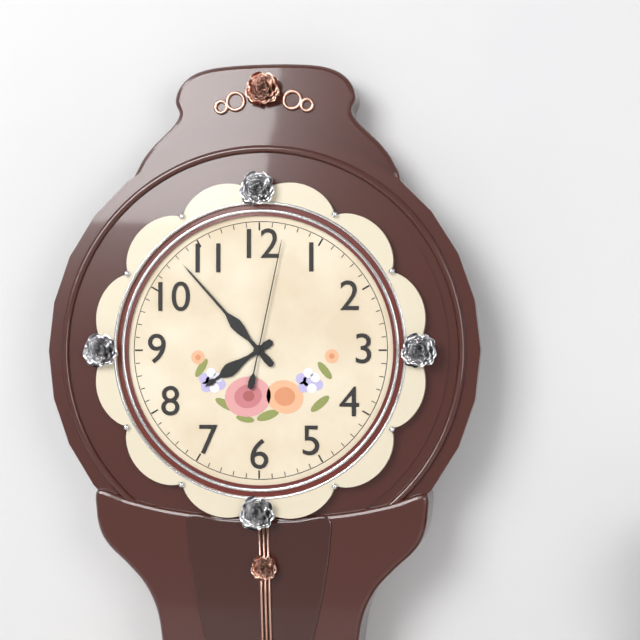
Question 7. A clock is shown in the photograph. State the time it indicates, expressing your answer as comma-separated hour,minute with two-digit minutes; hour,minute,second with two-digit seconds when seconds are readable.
7,53,02
